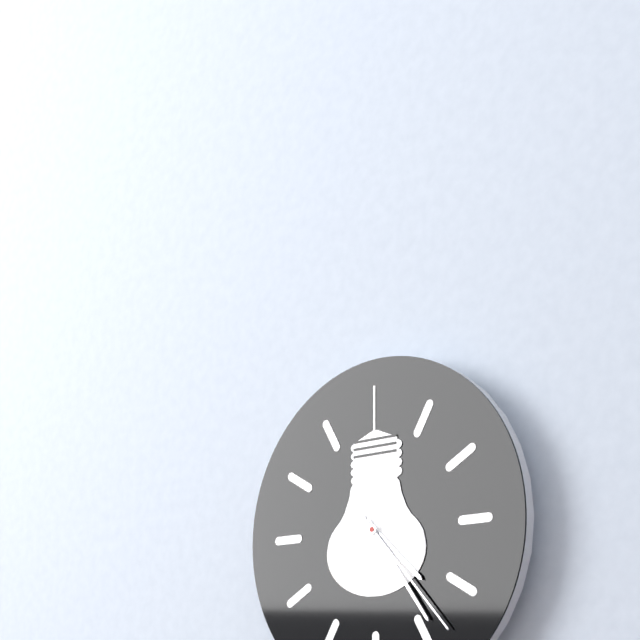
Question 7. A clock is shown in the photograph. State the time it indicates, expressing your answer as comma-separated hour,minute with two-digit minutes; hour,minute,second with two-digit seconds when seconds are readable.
4,24,23
